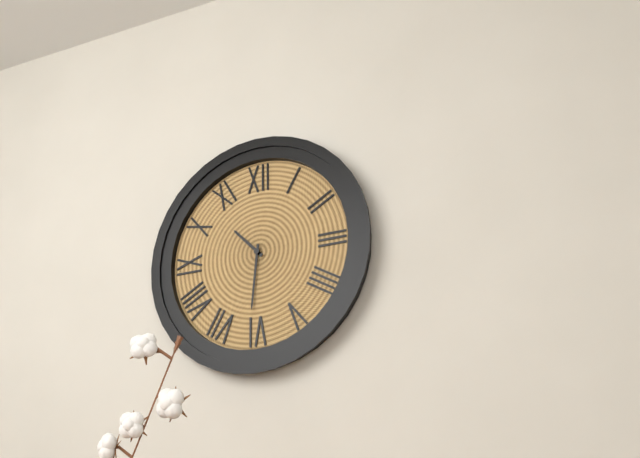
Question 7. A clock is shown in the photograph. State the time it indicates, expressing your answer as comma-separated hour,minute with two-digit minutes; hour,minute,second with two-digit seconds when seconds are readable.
10,31
